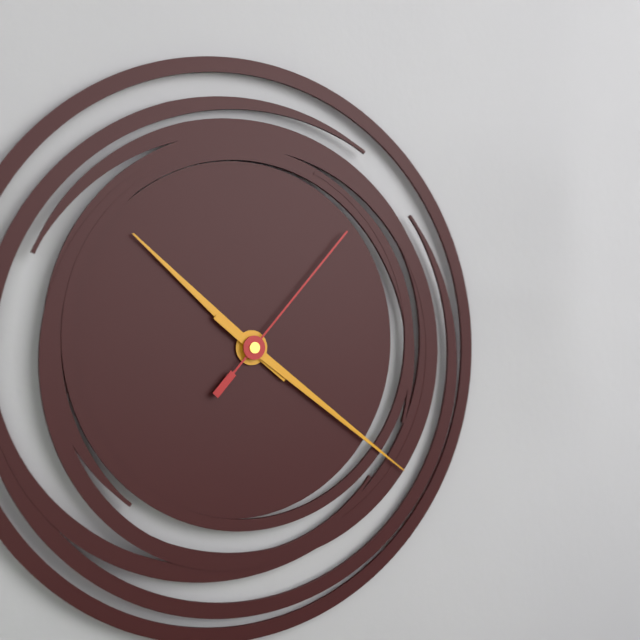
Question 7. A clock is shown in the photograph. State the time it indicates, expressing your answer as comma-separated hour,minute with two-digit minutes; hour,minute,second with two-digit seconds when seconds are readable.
10,21,07
